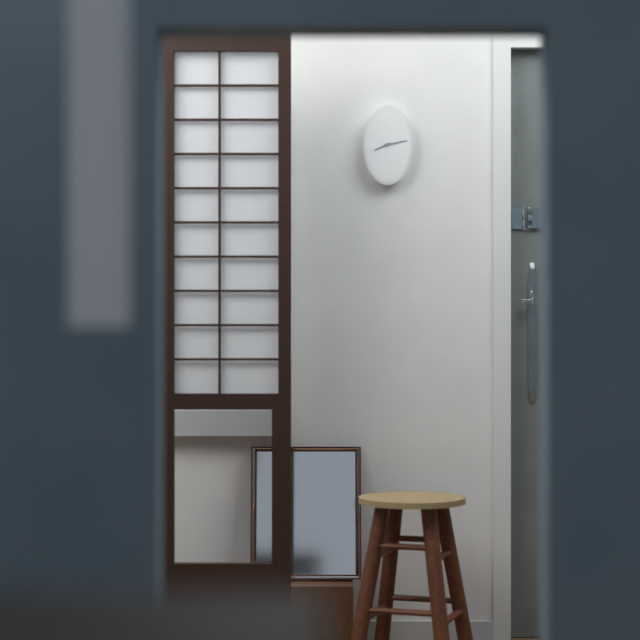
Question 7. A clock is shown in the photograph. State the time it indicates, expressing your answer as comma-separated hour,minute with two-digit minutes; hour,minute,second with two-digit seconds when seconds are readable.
8,13
